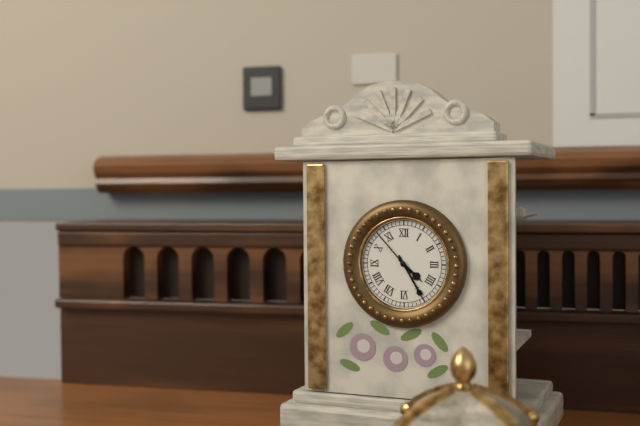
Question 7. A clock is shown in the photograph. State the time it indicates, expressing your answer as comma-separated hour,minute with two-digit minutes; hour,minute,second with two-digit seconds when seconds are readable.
4,25,53
